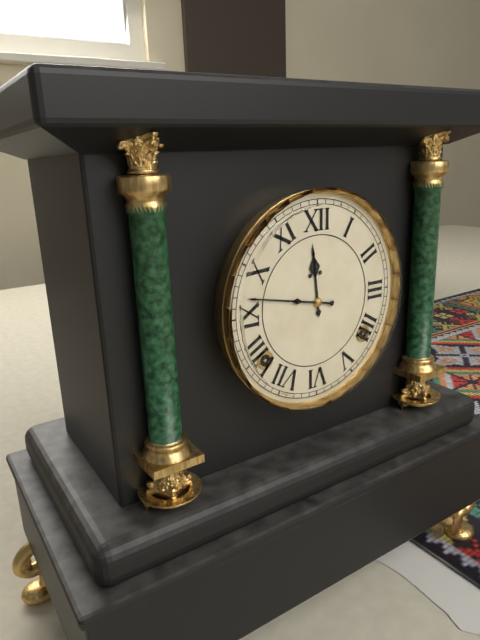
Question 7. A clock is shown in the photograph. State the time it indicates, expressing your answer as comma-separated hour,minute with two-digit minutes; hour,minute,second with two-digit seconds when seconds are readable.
11,47
